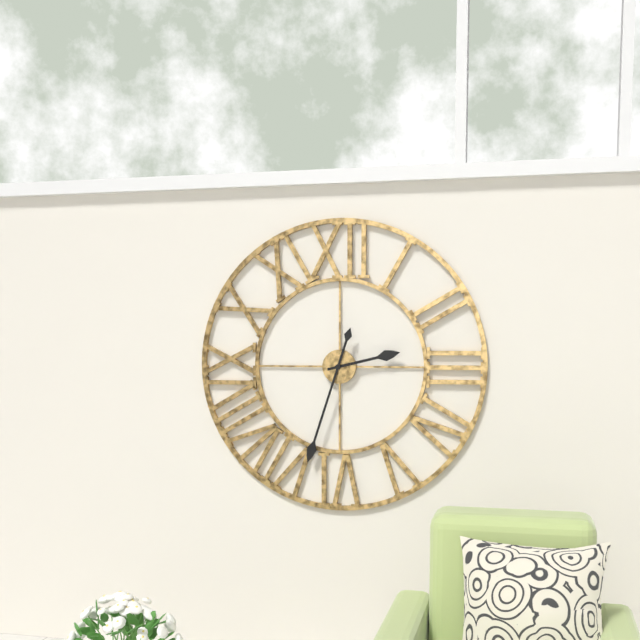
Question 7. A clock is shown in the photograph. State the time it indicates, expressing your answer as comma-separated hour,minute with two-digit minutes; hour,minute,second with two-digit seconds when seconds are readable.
2,33
